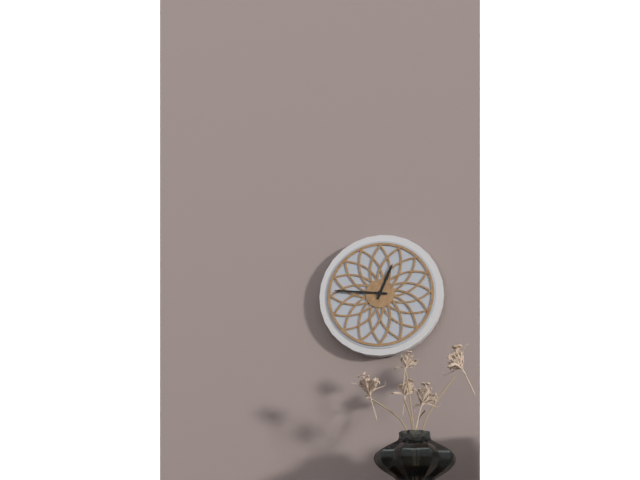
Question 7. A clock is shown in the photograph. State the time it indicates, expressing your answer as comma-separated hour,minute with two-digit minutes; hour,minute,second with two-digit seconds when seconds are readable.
12,46
